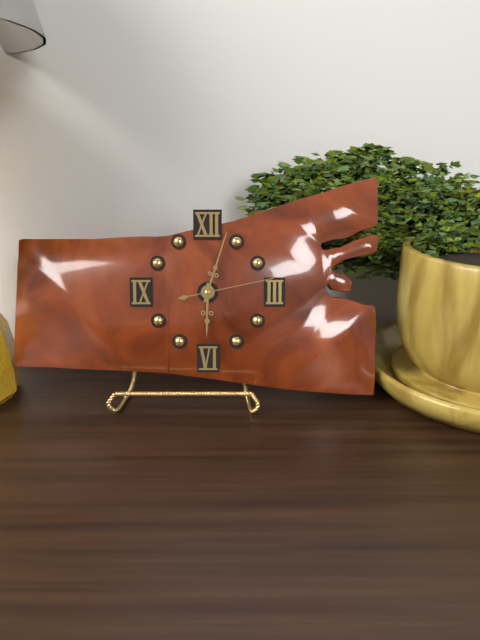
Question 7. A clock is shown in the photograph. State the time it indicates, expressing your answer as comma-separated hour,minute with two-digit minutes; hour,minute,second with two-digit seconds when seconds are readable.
6,03,13
